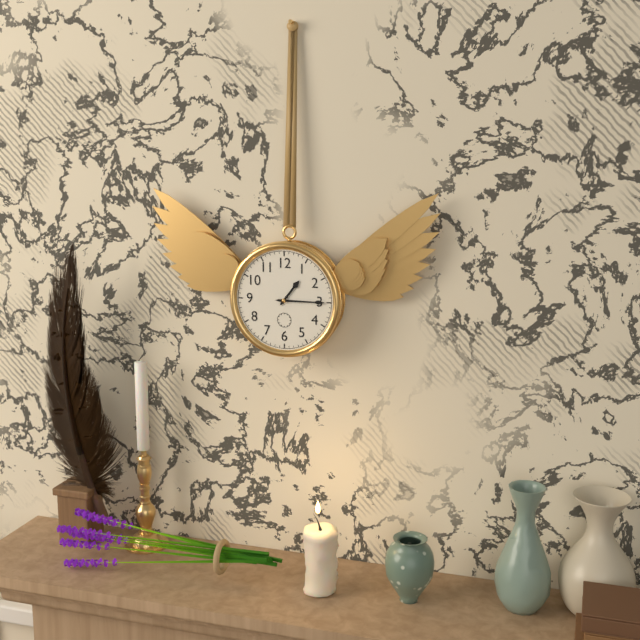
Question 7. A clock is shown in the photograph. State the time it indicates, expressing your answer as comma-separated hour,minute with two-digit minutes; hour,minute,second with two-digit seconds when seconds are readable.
1,15
